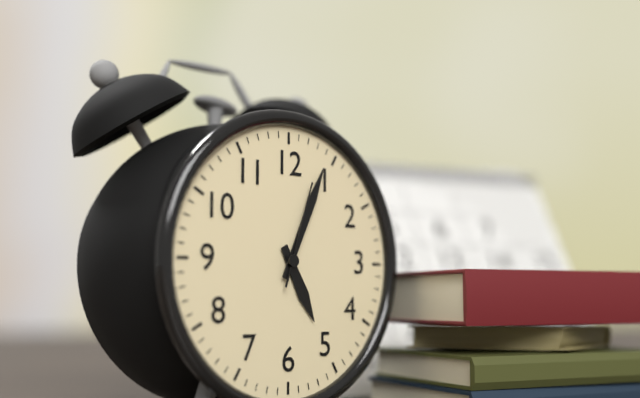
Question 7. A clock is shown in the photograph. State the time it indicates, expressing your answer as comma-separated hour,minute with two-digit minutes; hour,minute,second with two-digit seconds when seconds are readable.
5,04,03
